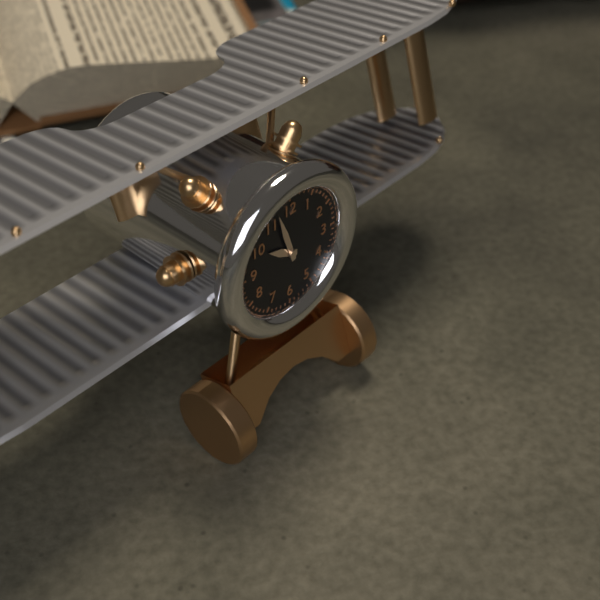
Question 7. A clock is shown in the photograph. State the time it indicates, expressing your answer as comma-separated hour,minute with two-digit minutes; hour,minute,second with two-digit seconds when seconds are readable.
9,57
